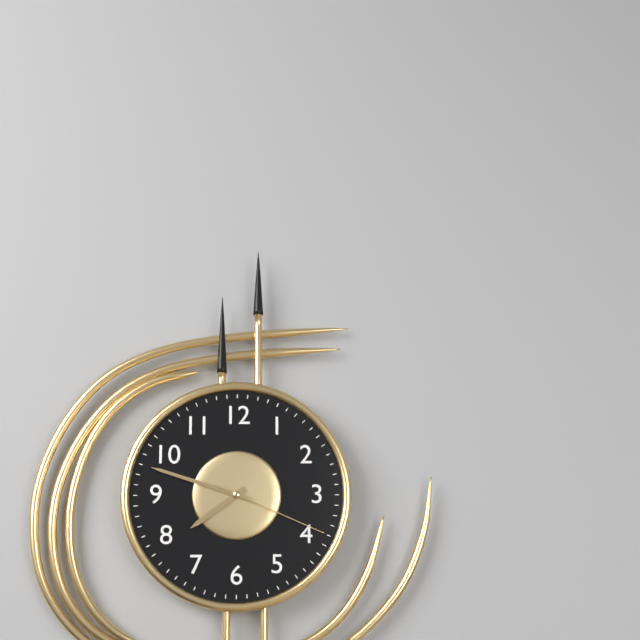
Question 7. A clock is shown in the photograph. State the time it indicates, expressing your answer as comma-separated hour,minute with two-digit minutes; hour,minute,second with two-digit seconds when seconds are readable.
7,48,19
